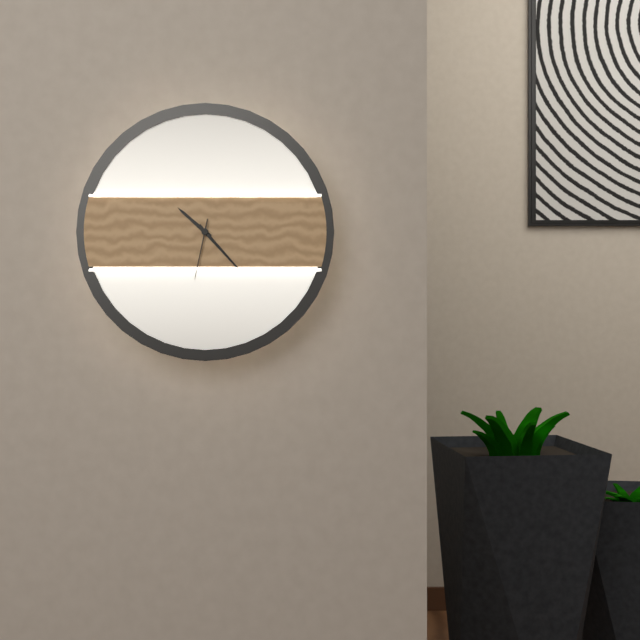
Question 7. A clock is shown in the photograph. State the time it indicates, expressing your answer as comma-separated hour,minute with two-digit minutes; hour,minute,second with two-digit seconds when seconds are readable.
10,23,32
